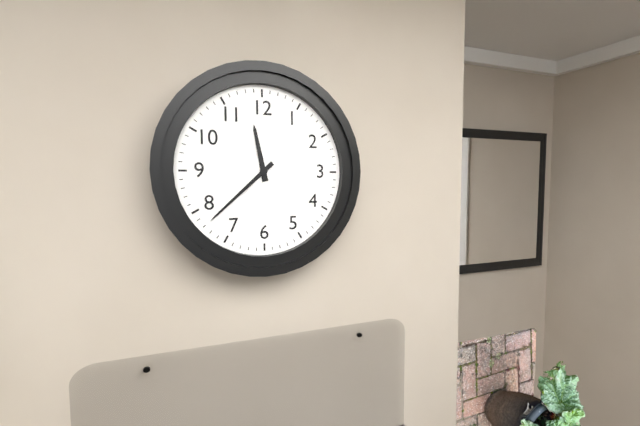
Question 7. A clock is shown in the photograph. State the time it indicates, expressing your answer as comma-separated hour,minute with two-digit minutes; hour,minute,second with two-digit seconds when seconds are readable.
11,38
